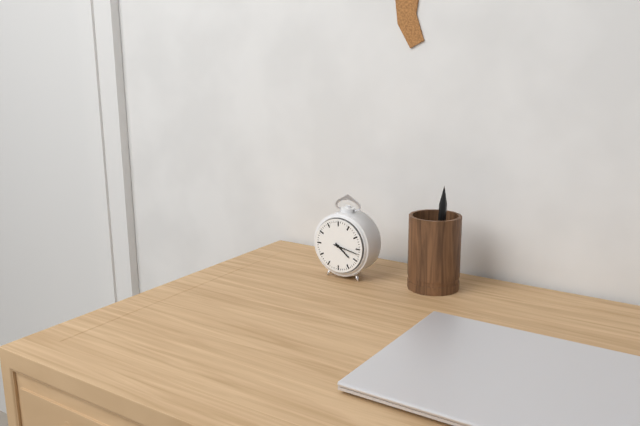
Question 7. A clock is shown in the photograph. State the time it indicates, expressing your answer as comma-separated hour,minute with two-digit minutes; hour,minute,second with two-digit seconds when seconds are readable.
4,17
